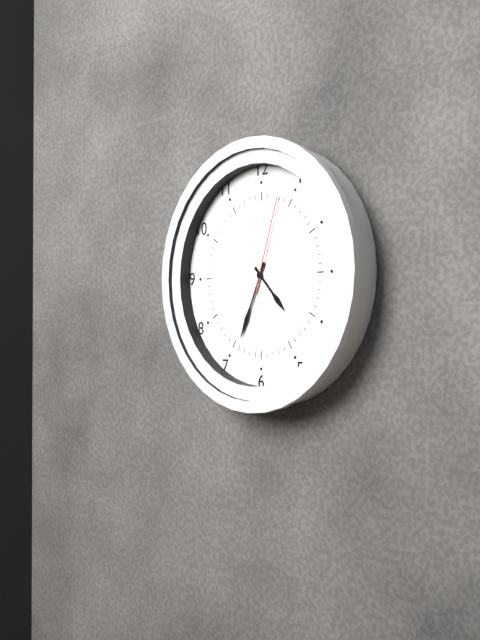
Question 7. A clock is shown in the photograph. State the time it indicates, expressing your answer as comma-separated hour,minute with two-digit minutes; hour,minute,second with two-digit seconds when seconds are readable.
4,34,03
